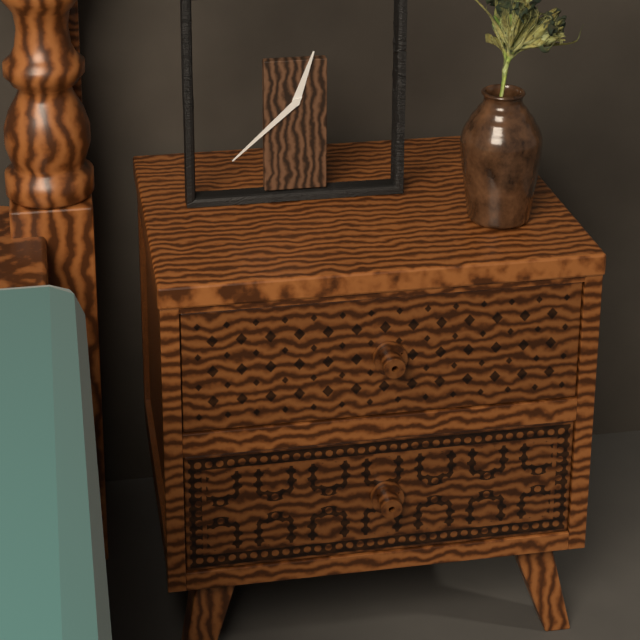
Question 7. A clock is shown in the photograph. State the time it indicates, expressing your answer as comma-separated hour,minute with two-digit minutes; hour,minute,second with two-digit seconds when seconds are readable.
12,38
